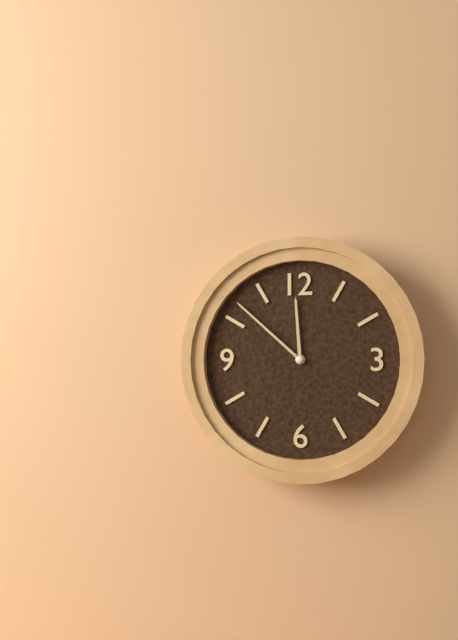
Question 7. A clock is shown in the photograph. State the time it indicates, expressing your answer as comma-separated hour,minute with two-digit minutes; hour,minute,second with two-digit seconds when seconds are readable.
11,52
